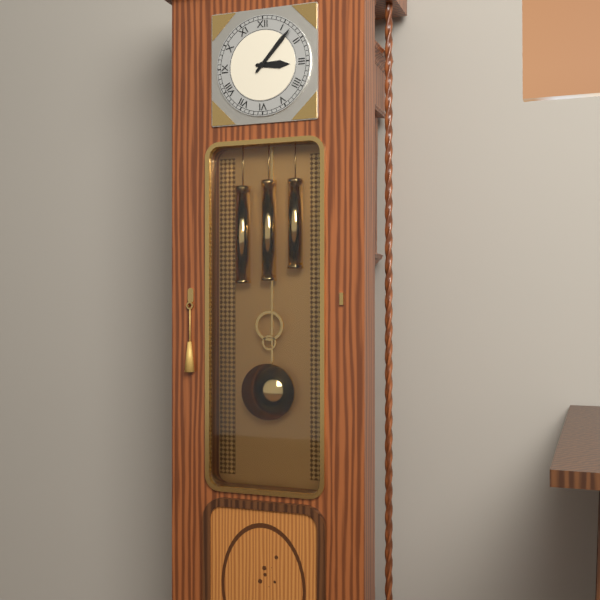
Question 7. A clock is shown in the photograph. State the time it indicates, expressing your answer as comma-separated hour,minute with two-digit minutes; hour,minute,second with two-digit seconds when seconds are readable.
3,07
